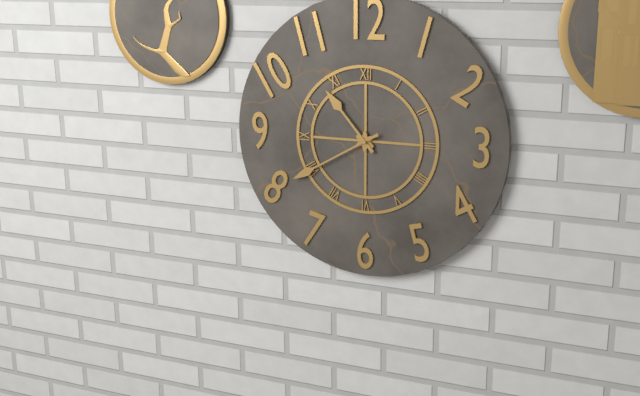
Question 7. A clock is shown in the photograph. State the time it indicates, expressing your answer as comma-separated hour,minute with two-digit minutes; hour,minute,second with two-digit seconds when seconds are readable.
10,40
